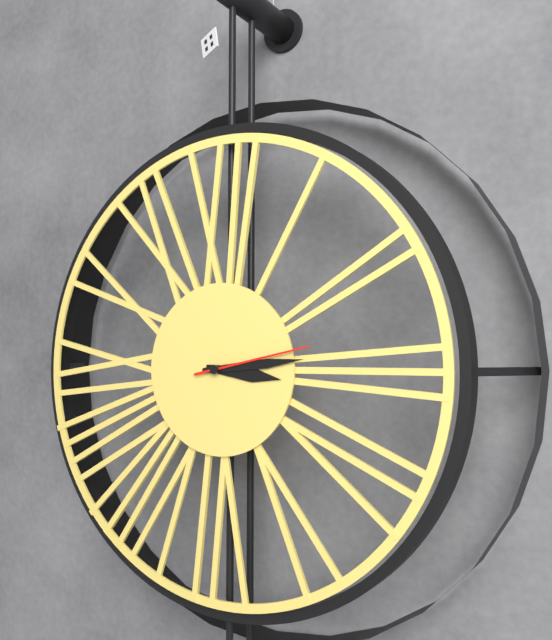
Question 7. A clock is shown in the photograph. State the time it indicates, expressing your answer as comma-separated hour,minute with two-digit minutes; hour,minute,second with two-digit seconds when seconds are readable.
3,14,13
